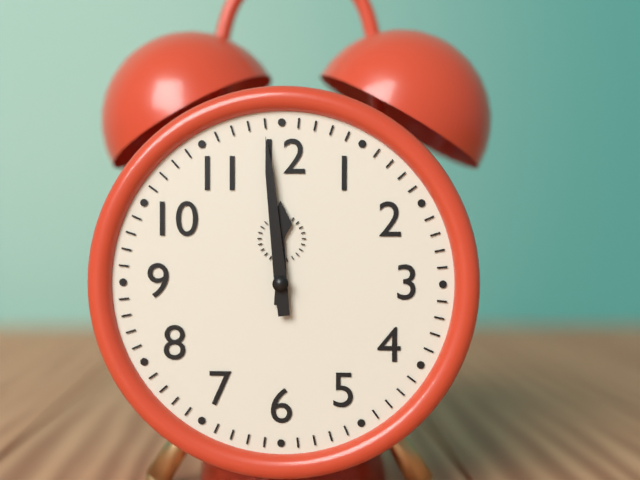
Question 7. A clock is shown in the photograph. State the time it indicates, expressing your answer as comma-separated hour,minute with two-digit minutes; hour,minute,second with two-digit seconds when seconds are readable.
11,59
